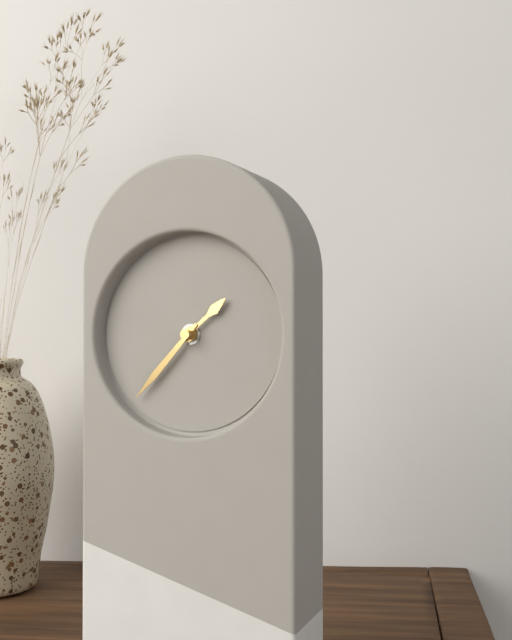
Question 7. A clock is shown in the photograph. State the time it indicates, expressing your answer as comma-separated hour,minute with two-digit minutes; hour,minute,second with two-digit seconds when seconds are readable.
1,37
